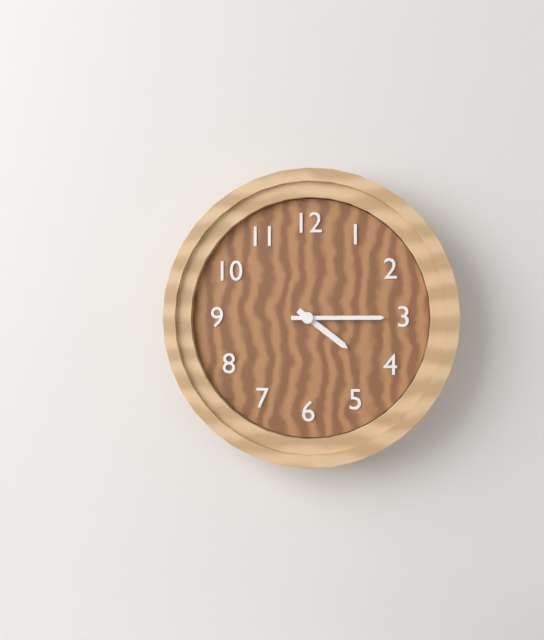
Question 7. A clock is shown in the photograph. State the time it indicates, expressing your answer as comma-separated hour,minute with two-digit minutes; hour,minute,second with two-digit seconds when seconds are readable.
4,15
